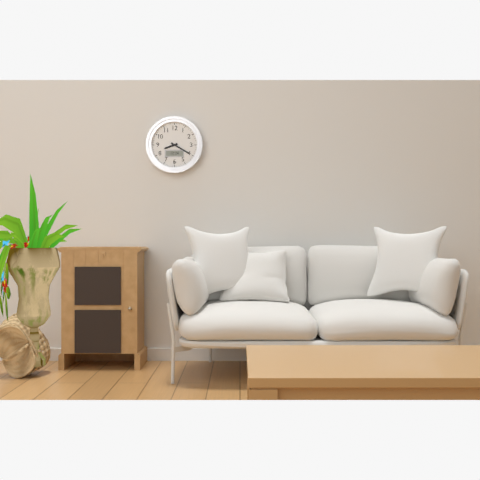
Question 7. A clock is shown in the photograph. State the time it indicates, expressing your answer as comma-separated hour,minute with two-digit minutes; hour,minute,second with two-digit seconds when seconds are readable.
8,20
